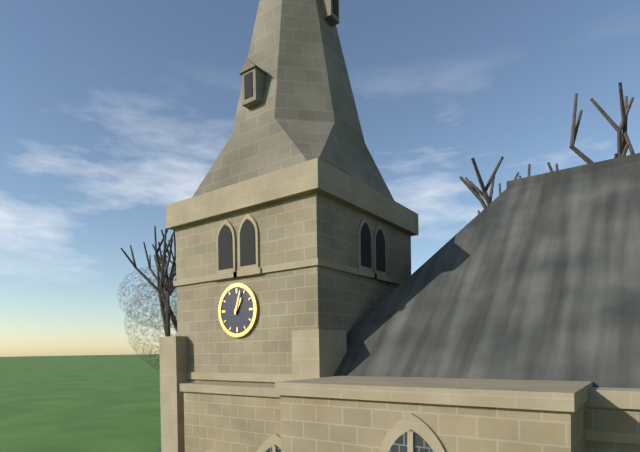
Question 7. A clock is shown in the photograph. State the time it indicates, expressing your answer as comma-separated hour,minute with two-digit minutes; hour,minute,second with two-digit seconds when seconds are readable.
1,03
